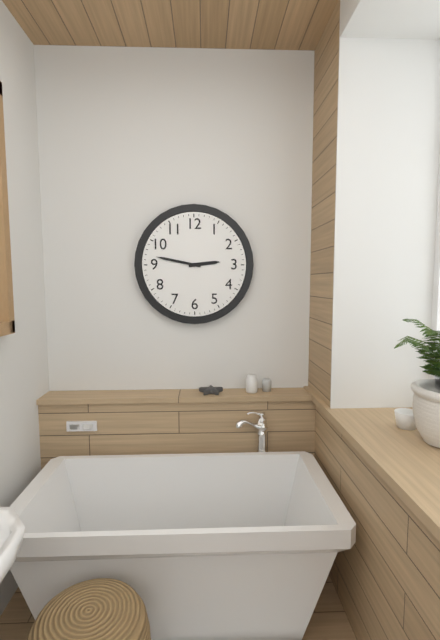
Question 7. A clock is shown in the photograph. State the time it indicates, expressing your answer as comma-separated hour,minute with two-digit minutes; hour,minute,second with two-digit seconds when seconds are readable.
2,47
